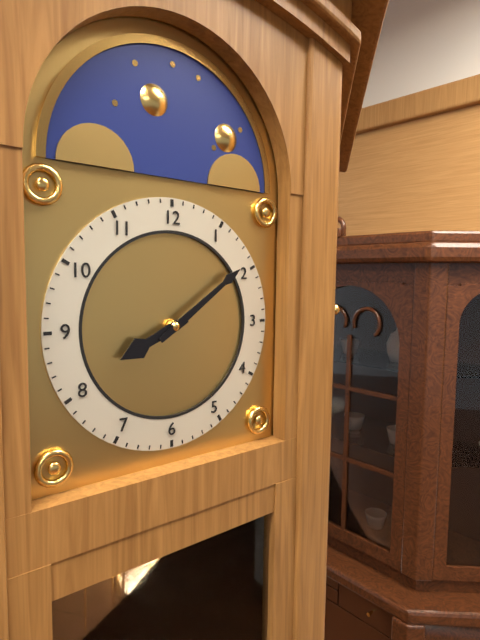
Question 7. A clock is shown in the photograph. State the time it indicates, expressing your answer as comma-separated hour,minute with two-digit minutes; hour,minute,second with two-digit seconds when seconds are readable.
8,09
